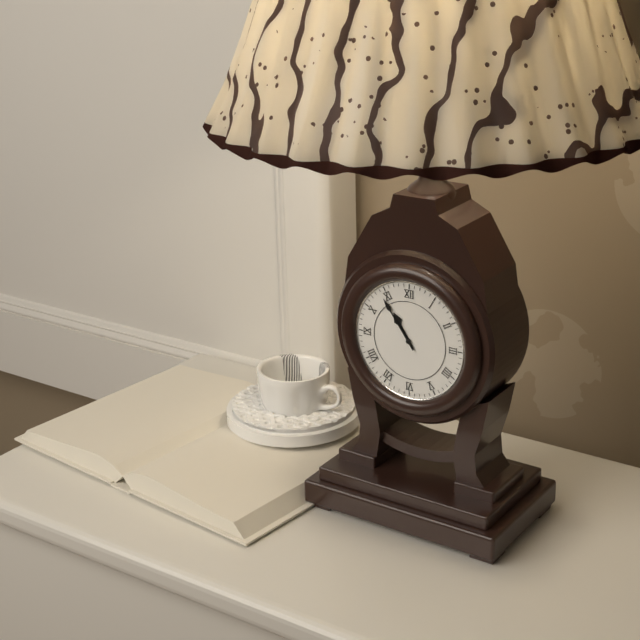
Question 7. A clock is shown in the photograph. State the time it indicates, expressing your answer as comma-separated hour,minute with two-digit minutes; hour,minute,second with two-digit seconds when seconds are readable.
10,54
